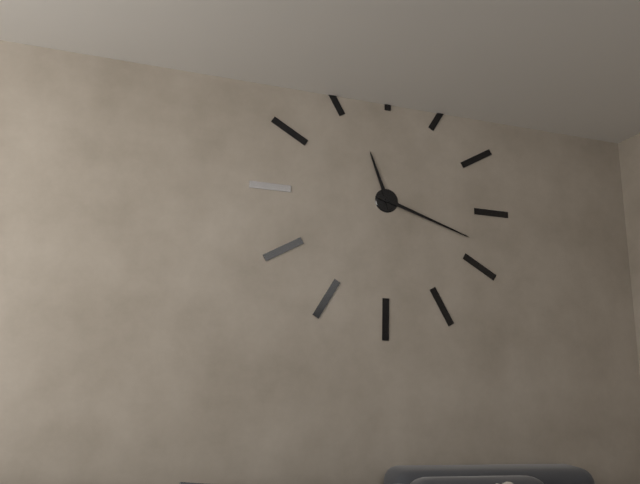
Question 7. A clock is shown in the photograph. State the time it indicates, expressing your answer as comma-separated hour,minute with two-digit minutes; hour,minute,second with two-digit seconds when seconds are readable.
11,18
